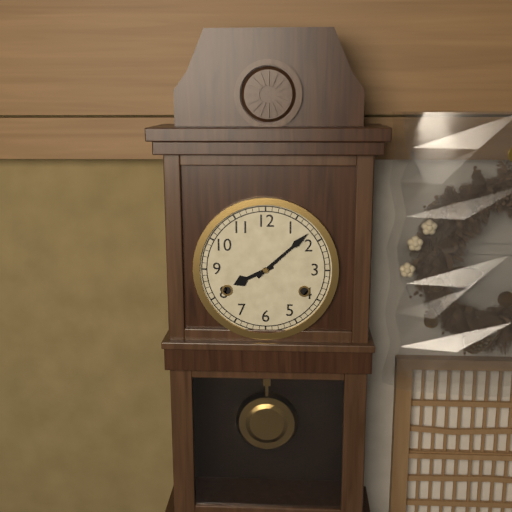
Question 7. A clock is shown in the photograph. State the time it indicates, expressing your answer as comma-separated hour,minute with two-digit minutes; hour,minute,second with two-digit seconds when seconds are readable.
8,08
